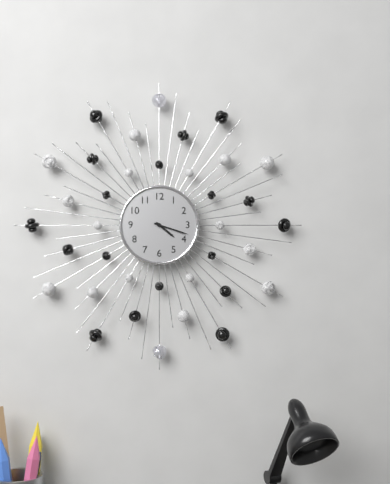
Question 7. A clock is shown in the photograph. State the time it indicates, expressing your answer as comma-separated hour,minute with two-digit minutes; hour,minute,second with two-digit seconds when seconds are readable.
4,18
